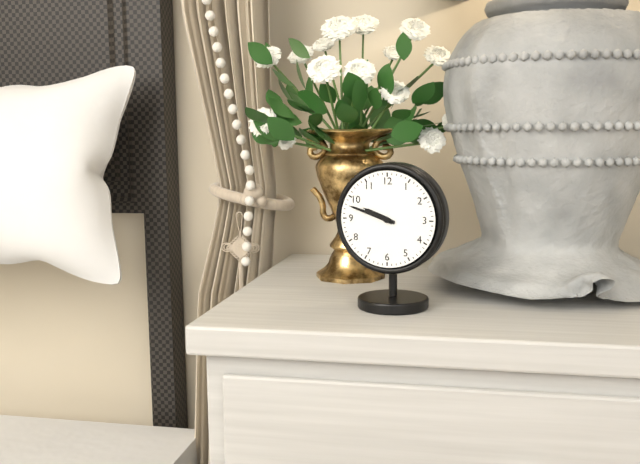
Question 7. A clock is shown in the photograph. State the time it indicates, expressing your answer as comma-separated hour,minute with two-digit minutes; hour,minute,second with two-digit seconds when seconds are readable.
9,48
